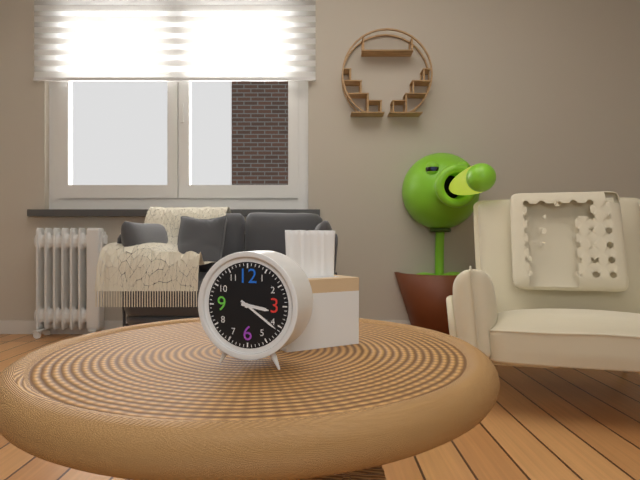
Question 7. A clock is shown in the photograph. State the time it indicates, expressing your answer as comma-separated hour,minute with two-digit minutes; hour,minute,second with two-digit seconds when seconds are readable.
3,21
